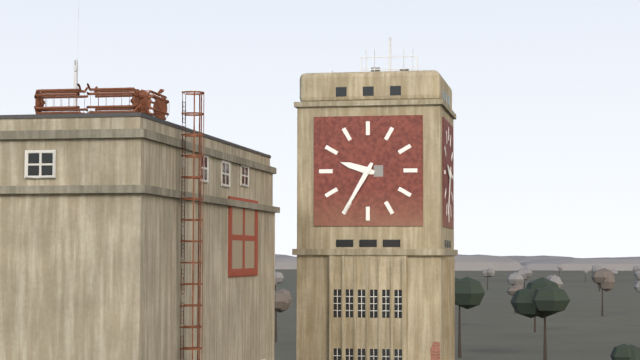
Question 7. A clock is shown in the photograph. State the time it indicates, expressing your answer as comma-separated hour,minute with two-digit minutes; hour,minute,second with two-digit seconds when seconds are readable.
9,35
